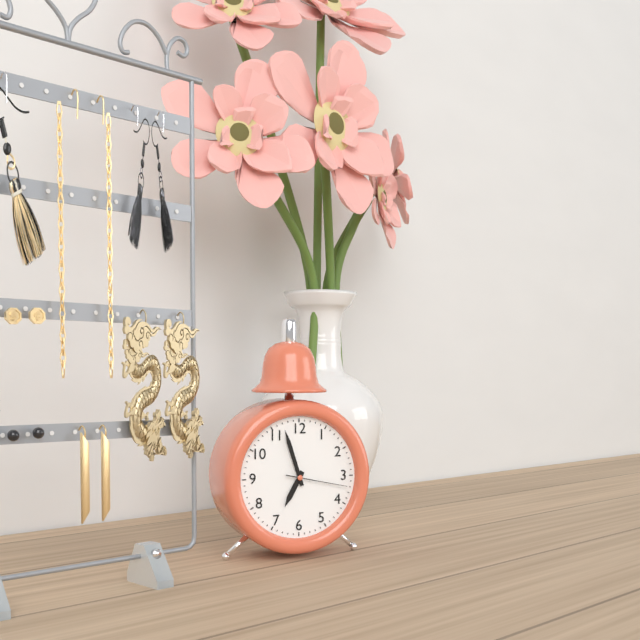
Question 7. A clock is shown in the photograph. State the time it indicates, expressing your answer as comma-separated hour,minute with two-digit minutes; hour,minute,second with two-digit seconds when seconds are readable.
6,57,17
